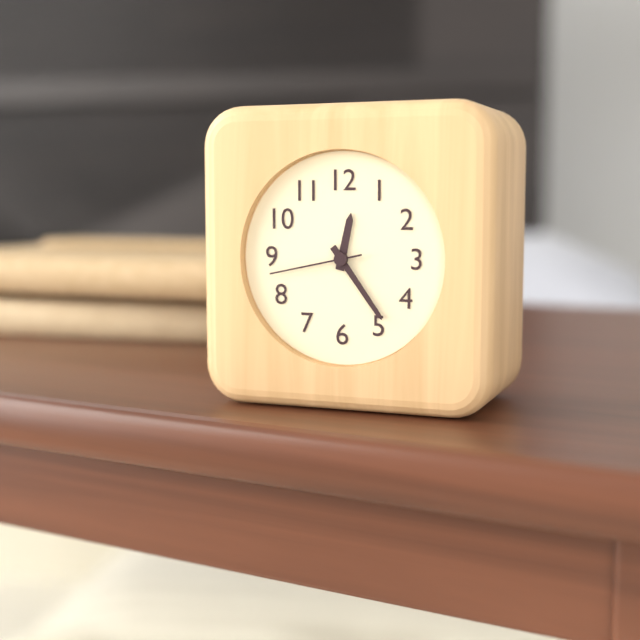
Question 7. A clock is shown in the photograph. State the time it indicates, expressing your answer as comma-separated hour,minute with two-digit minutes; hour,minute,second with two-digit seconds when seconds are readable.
12,24,43
